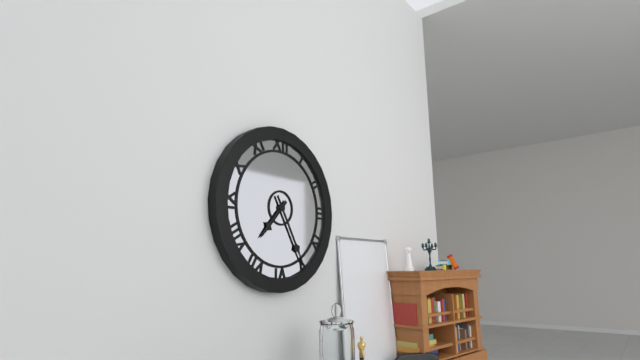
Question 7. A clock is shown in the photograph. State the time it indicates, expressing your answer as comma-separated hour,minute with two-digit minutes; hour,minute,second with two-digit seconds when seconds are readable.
7,25
